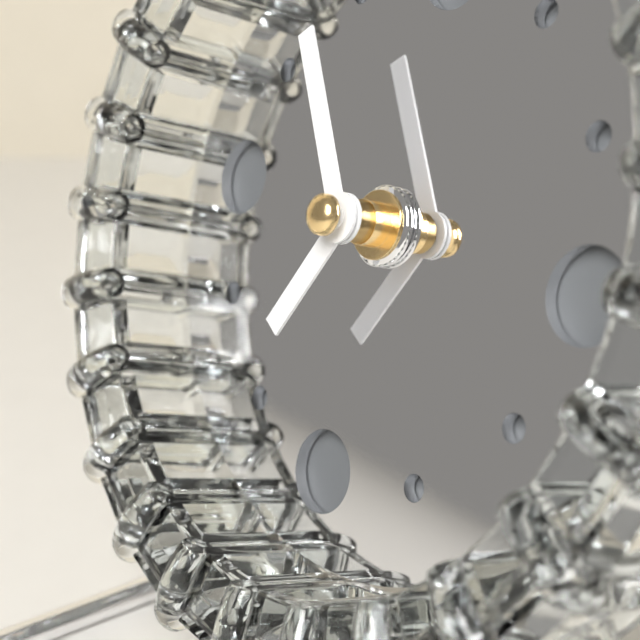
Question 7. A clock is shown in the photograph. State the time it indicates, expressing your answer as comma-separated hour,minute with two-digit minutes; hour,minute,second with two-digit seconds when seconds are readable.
6,54
